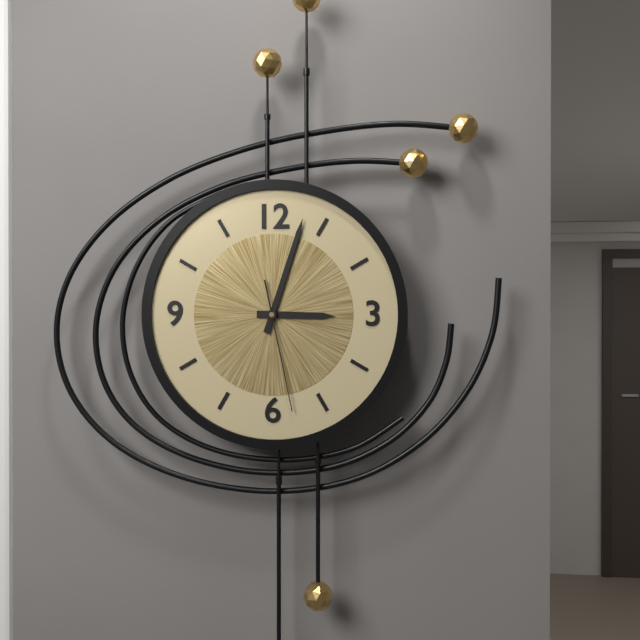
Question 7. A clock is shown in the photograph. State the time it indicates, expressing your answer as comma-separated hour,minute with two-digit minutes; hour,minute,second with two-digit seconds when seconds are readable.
3,03,28
